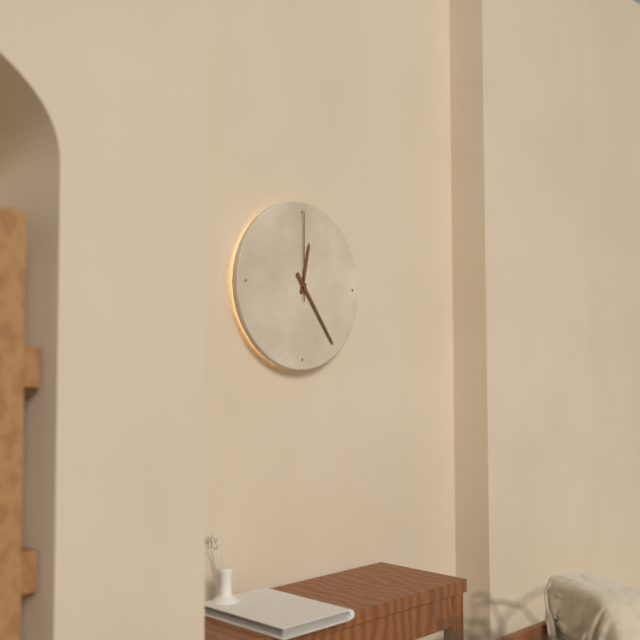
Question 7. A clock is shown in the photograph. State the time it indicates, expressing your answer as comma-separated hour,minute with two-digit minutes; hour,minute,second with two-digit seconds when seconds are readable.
12,24,00
